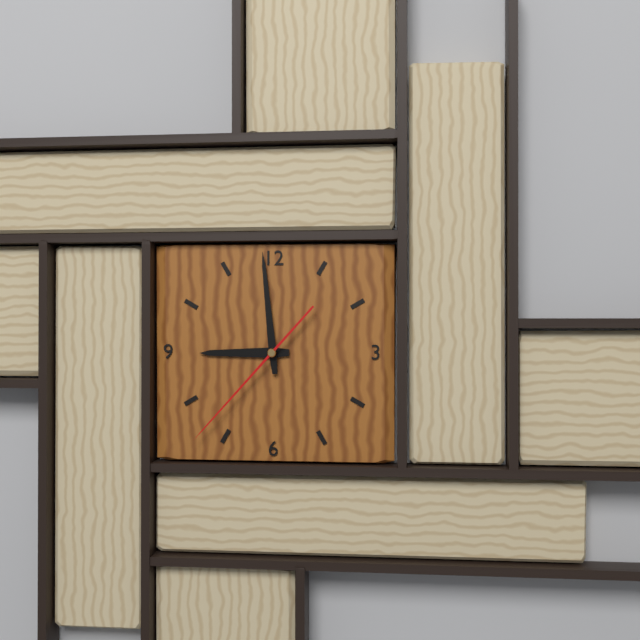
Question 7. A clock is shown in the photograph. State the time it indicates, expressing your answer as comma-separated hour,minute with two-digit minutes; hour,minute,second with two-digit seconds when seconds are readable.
8,59,37
